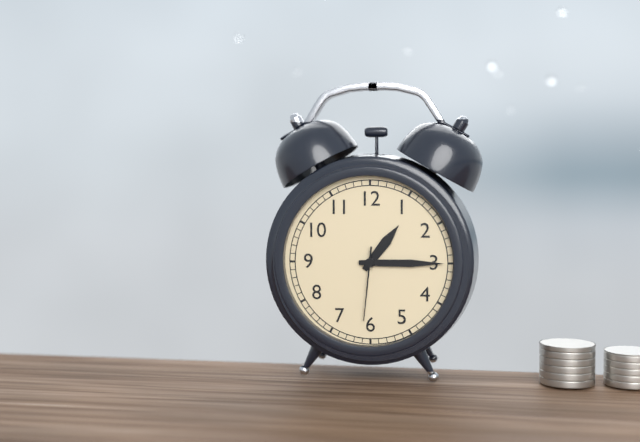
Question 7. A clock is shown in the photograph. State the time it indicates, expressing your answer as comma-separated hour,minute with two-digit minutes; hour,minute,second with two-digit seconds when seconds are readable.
1,15,31
